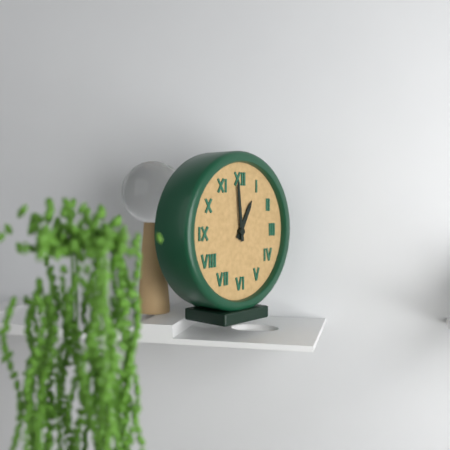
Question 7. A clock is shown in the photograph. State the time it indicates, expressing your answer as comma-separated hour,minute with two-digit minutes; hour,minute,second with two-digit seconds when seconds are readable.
12,59
